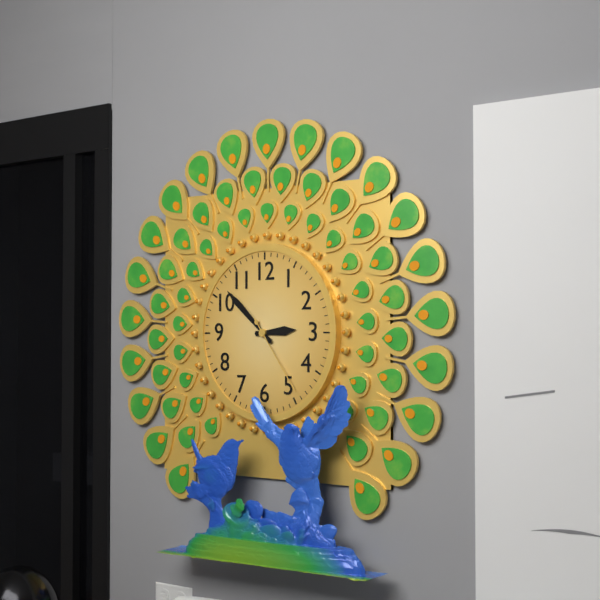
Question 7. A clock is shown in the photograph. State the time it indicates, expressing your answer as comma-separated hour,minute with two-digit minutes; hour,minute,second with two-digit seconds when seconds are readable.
2,52,24
